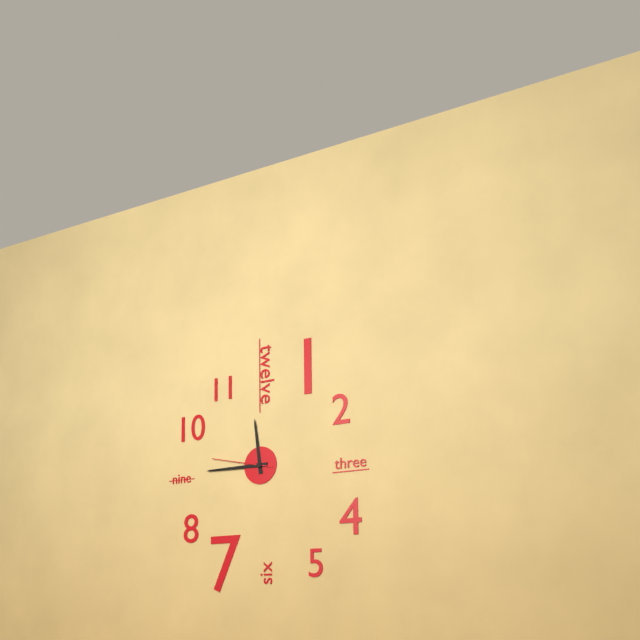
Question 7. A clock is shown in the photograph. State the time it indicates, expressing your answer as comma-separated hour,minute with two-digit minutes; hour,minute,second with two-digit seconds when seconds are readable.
11,45,47
